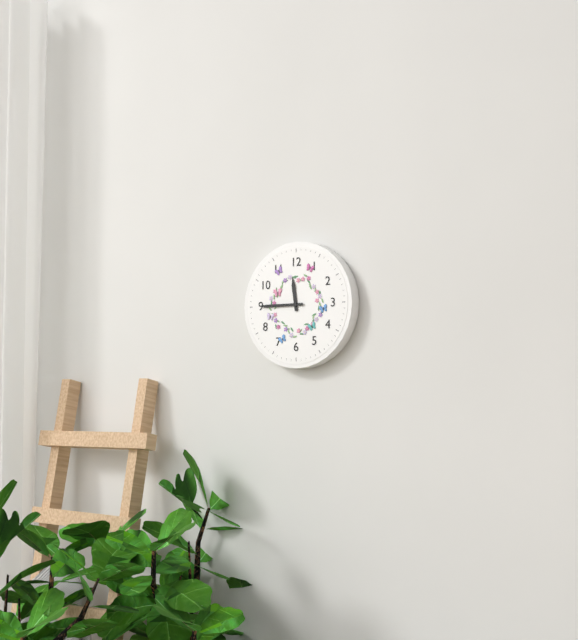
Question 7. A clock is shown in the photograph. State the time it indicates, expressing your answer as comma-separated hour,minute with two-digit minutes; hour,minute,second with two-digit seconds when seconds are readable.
11,45
